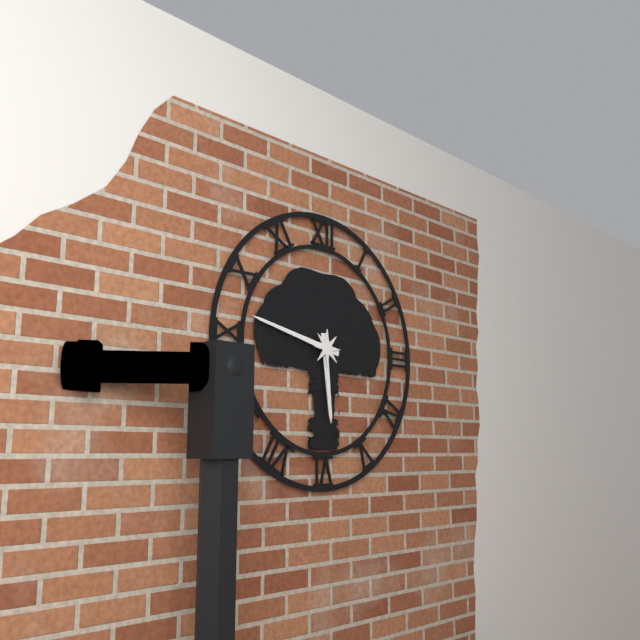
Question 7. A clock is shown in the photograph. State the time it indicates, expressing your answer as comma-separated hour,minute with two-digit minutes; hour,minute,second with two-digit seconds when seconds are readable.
5,47
